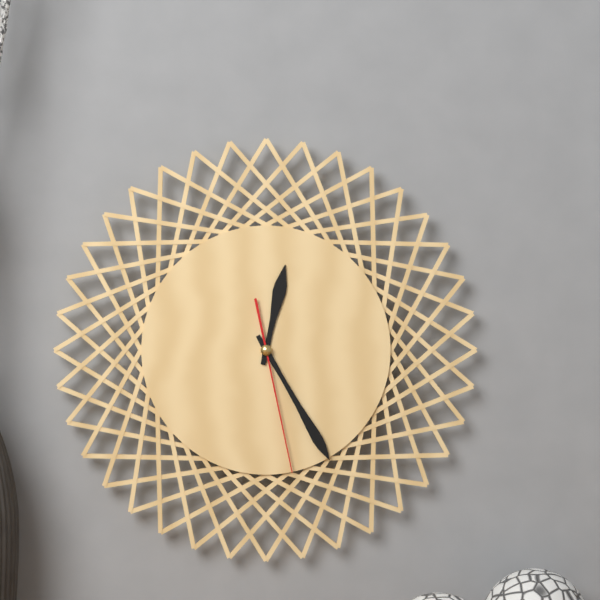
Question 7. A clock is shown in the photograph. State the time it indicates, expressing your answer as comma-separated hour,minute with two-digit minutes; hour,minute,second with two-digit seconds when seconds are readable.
12,25,28
